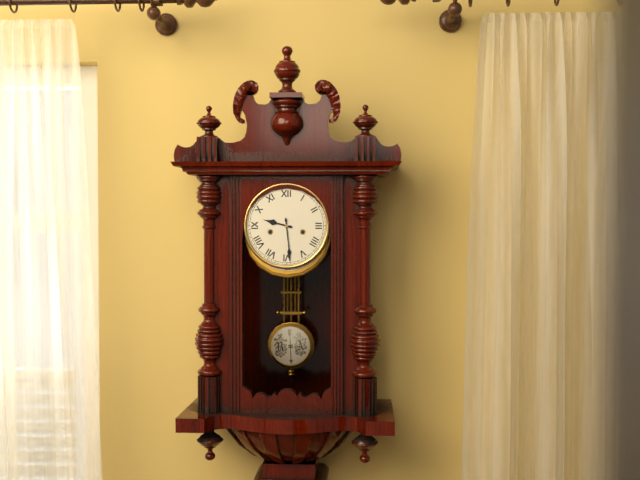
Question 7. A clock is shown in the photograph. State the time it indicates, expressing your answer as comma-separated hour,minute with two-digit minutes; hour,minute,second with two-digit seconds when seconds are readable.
9,29
